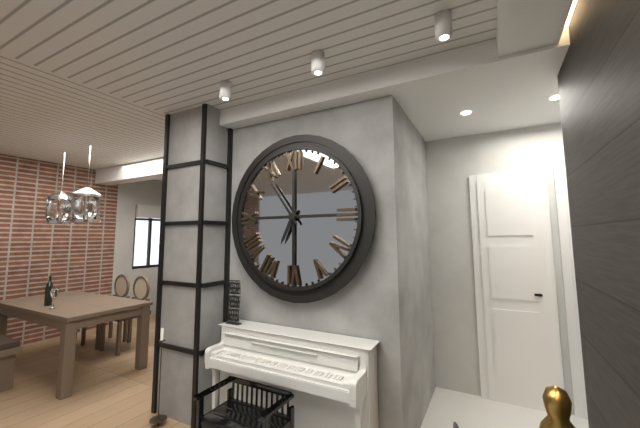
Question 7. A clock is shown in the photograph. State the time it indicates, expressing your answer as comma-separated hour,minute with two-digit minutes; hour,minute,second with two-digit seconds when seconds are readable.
6,54
